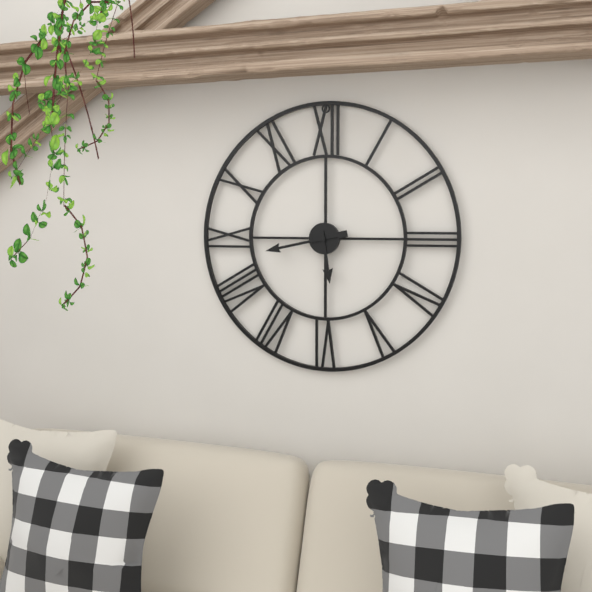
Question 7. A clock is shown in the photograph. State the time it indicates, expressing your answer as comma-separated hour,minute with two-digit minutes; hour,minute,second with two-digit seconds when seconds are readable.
5,43
